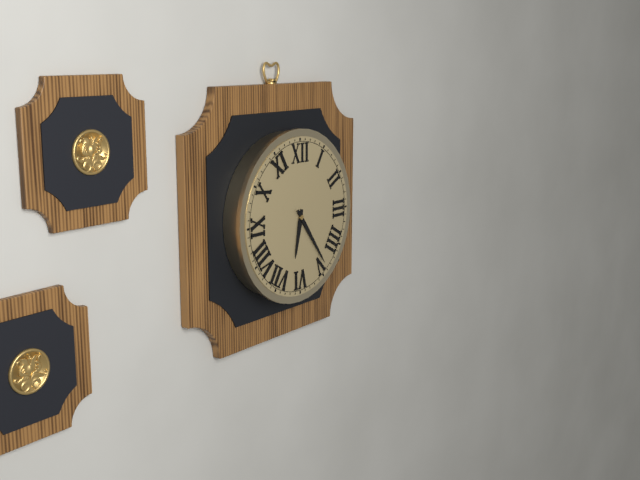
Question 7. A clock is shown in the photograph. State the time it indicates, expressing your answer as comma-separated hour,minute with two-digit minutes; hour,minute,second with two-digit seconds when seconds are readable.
6,24
